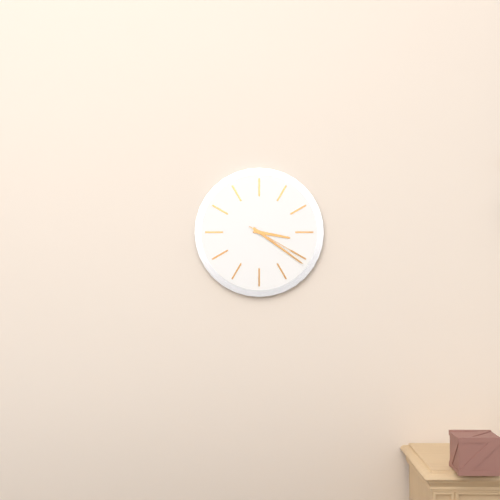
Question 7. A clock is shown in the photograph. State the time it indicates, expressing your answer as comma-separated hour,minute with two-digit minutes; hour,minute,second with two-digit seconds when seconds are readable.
3,21,20
